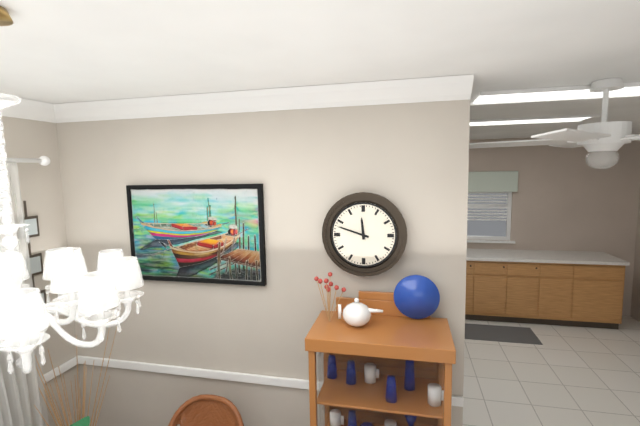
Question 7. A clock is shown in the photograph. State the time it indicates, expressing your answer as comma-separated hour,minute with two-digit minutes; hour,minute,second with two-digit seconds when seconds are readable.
11,48
